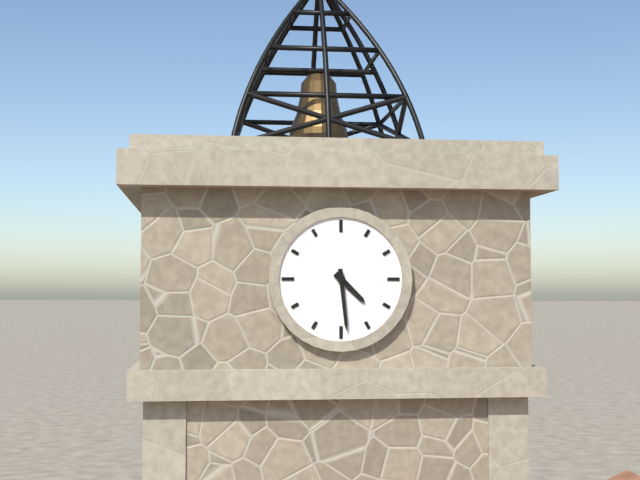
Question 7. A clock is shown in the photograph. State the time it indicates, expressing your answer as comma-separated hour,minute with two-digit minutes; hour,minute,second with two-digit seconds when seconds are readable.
4,29
